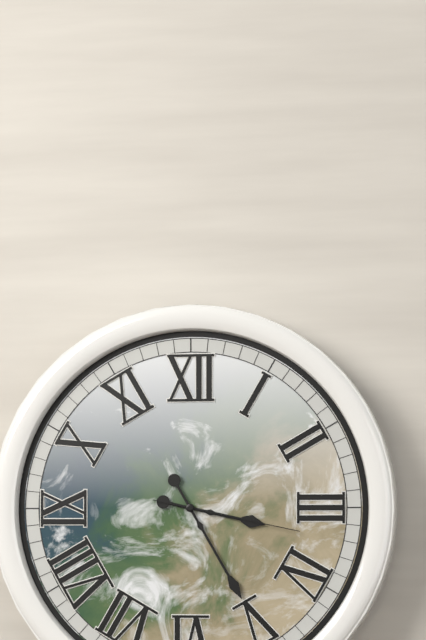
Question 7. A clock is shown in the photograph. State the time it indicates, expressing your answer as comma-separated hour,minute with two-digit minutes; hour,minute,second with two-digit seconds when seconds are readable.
3,25,17
